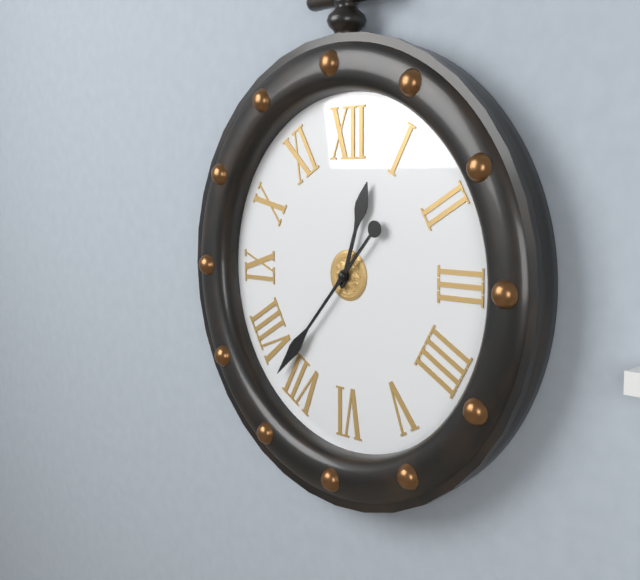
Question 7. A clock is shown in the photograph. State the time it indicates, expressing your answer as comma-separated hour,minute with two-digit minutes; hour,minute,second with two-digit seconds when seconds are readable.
12,37
